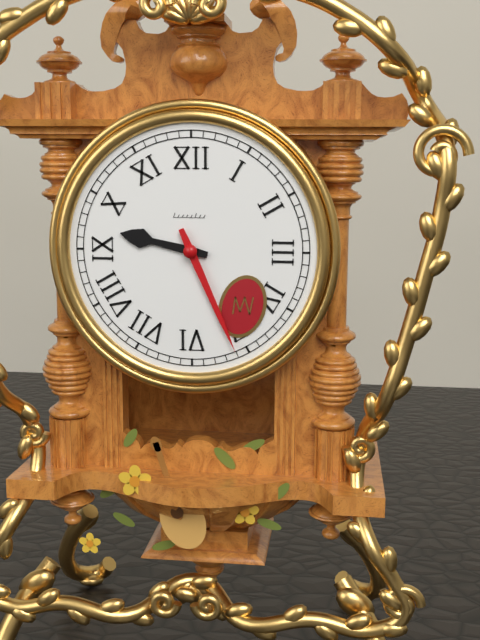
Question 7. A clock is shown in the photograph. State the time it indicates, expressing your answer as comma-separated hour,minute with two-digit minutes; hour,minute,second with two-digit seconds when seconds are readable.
9,26
